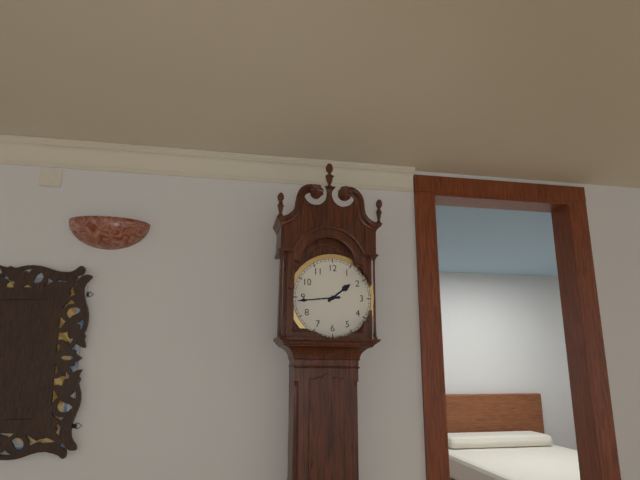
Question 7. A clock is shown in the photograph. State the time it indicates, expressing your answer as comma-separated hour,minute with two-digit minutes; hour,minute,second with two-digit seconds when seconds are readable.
1,44
